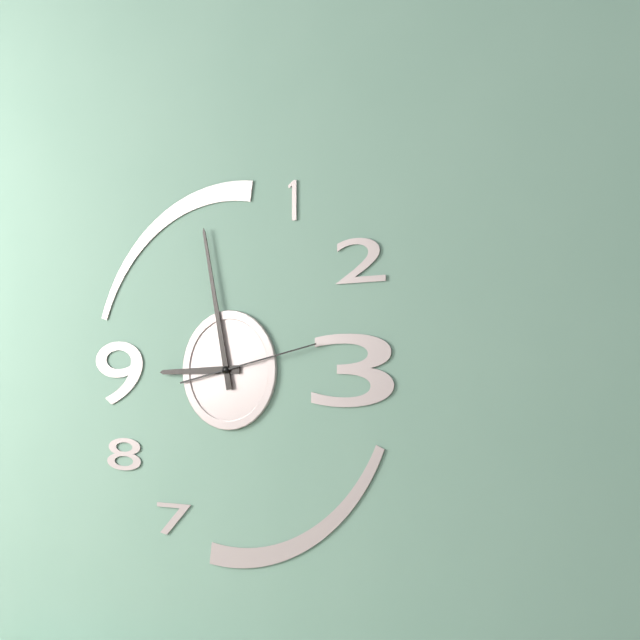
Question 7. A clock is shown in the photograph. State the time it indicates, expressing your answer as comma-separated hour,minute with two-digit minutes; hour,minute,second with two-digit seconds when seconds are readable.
8,58,13
